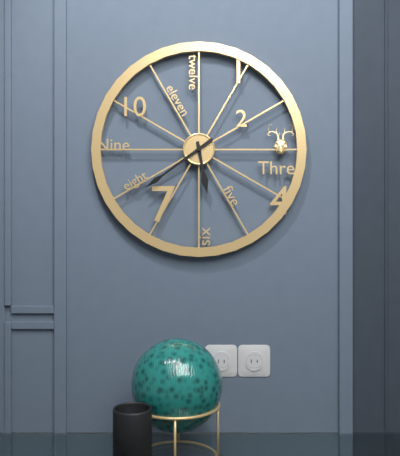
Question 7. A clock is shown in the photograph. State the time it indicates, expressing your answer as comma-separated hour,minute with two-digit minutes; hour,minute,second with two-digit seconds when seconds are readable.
5,39
